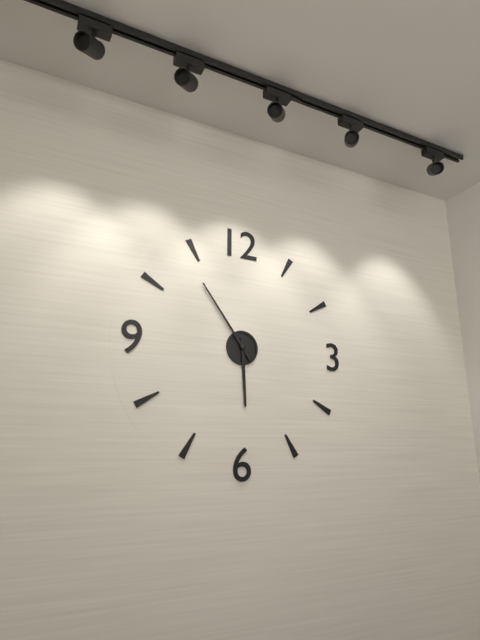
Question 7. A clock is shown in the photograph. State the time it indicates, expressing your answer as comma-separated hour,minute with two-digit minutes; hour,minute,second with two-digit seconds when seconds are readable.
5,54
